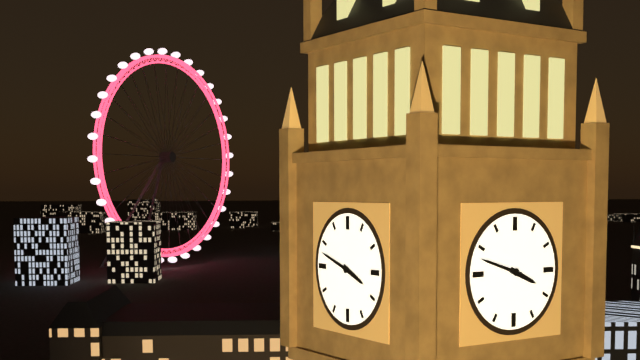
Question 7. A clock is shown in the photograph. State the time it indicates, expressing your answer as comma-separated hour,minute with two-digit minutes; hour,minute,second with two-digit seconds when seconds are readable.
3,48
